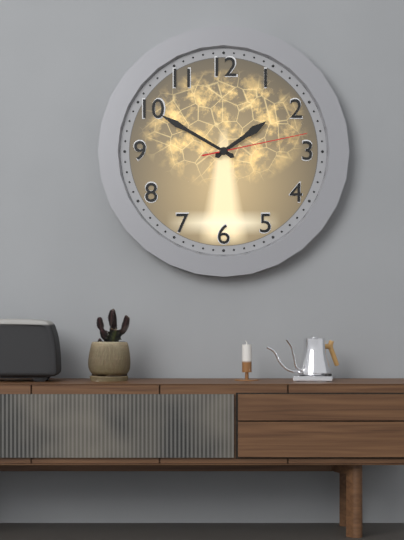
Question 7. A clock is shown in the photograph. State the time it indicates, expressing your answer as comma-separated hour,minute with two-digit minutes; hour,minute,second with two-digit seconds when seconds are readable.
1,50,13
